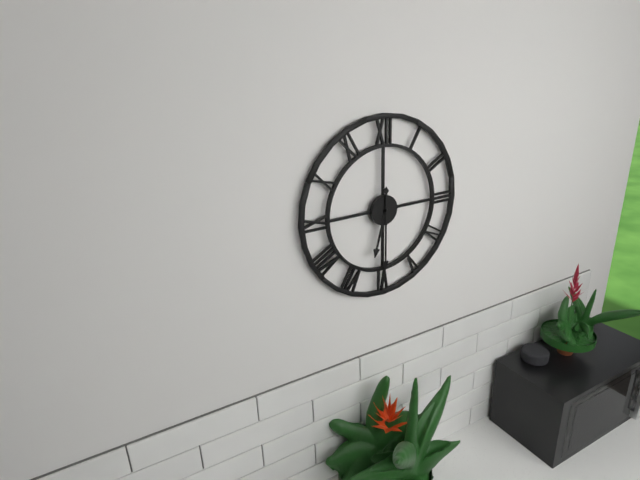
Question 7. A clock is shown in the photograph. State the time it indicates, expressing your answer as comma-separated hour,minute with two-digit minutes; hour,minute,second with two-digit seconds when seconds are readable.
6,30
